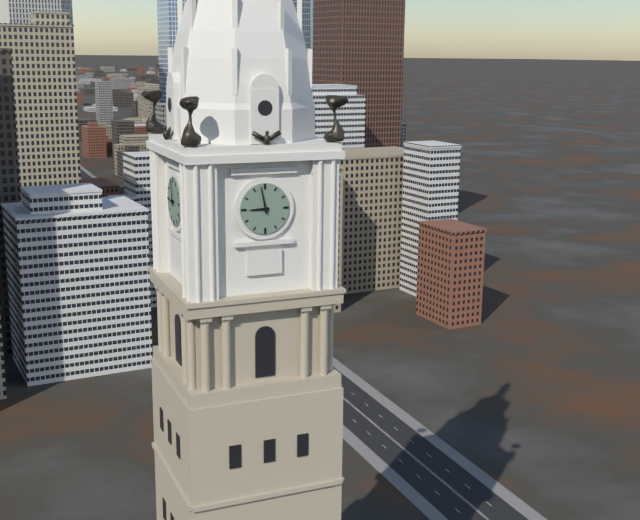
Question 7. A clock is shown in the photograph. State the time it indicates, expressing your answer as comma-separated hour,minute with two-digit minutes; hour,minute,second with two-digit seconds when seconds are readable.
8,58
